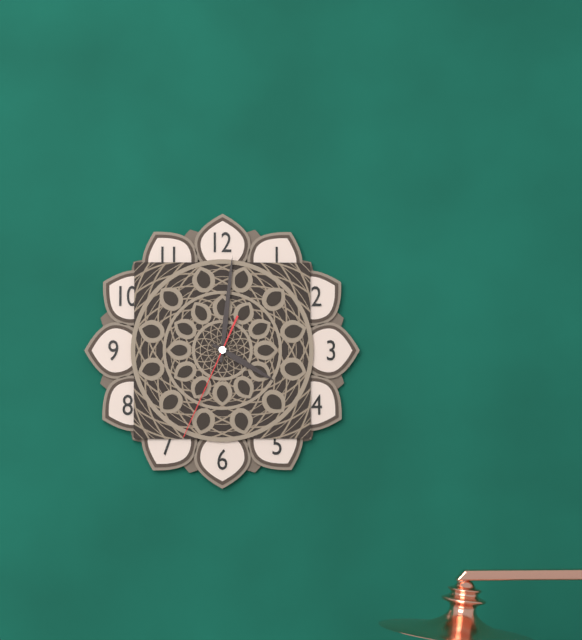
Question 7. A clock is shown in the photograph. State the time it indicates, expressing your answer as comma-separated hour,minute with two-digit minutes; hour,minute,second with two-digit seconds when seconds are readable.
4,01,34
